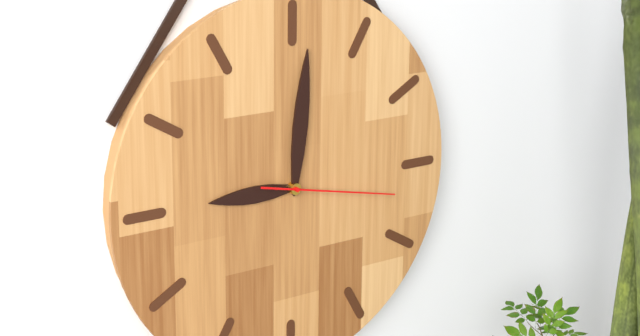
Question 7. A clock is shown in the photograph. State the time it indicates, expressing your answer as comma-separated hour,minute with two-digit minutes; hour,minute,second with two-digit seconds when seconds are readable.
9,01,17
